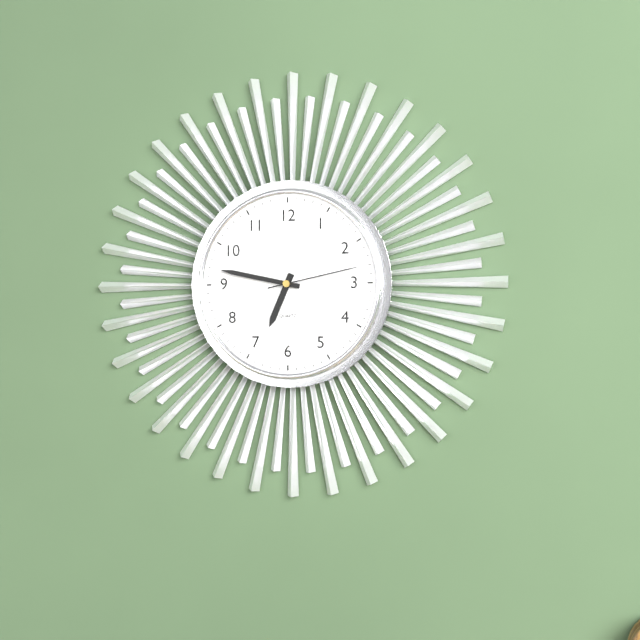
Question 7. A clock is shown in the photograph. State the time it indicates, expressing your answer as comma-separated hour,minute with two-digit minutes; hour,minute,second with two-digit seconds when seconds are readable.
6,47,13
